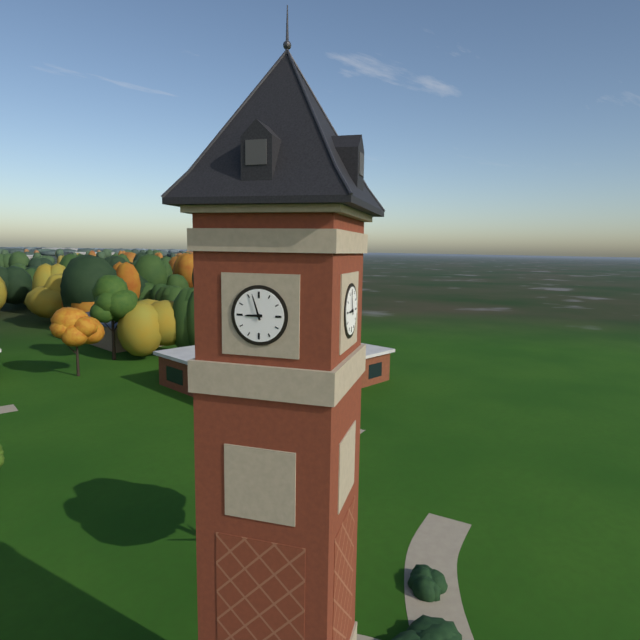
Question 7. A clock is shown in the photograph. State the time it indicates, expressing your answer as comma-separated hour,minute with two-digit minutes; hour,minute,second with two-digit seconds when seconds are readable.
8,57
